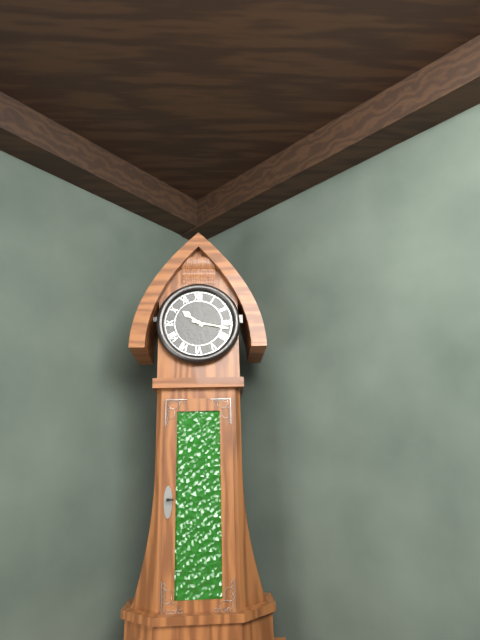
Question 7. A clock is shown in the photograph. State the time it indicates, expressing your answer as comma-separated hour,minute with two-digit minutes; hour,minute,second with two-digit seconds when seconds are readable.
10,17
